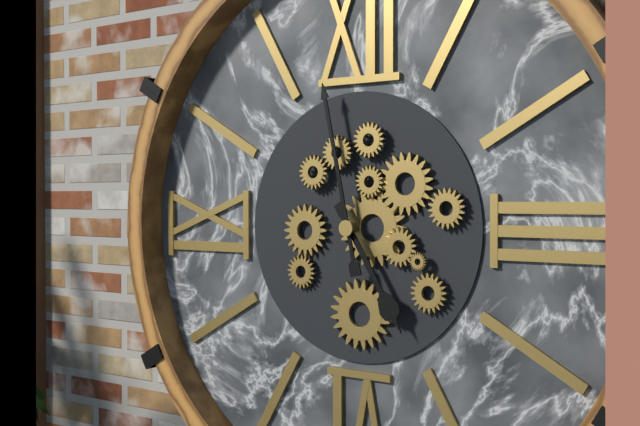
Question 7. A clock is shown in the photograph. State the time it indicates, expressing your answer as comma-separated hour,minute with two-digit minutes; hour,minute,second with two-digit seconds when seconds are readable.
4,58
